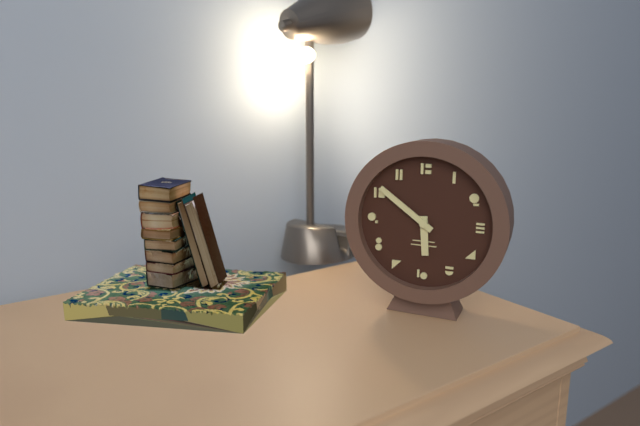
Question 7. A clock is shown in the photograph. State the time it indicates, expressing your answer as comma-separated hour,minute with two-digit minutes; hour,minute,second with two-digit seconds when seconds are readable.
5,51
